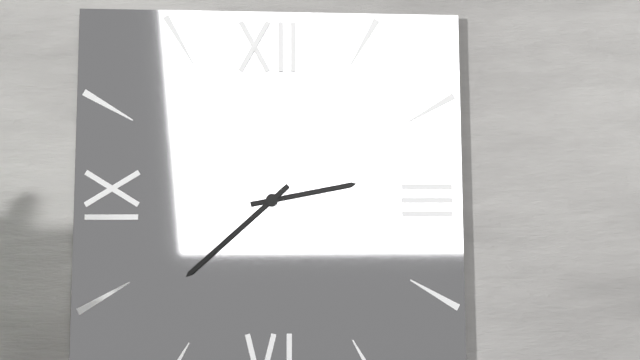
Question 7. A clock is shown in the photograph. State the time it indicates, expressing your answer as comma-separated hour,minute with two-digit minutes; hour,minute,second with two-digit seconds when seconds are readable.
2,38
